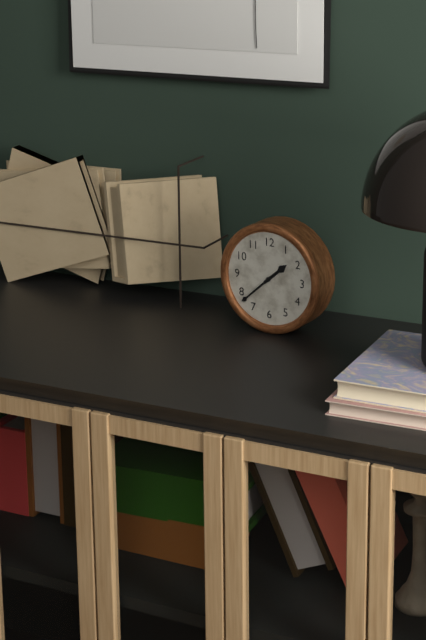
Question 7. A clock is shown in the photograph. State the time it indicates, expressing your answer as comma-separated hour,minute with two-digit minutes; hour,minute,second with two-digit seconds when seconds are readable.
1,38
